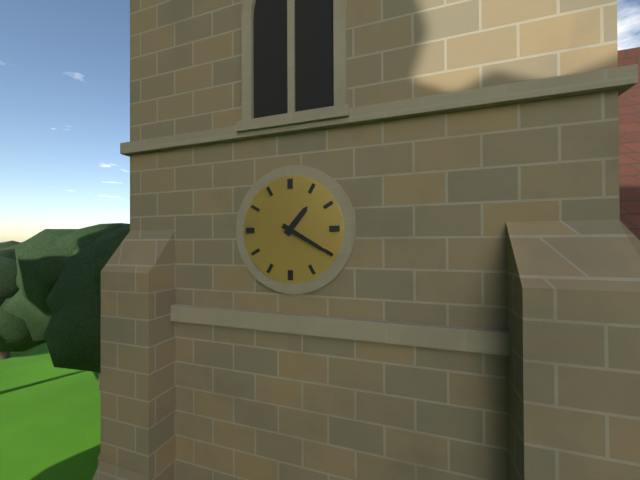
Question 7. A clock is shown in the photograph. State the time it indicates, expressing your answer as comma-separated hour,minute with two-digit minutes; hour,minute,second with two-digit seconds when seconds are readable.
1,20
